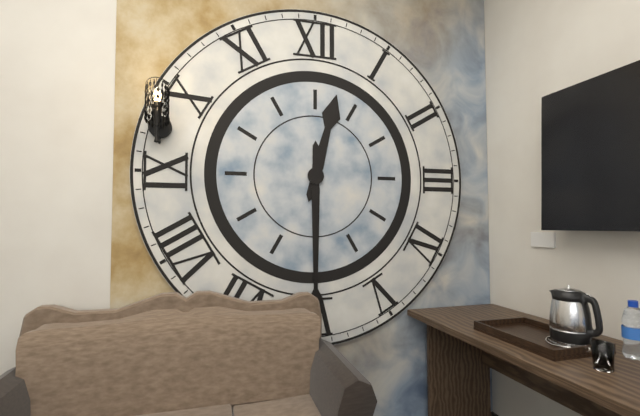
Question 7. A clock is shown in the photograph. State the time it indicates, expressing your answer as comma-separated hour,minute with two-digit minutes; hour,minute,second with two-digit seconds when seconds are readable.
12,30
